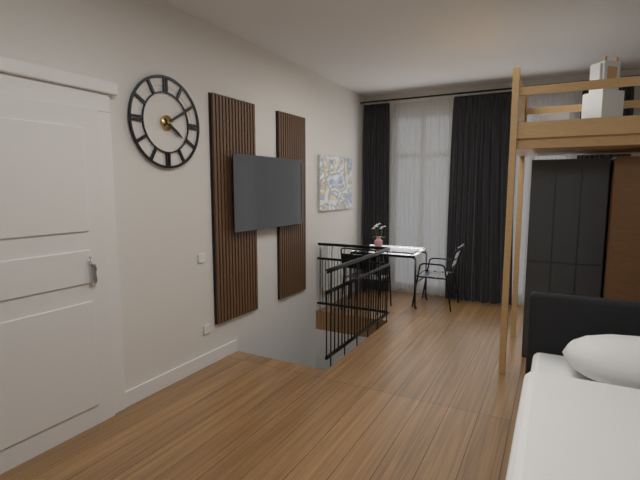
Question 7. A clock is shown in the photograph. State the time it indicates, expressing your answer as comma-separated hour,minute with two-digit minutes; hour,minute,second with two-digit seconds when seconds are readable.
4,10
